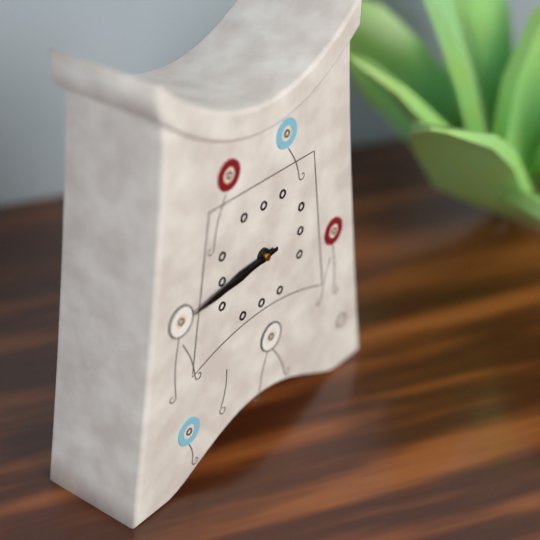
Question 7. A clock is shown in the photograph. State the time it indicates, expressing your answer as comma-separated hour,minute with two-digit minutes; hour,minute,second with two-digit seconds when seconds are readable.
8,44
